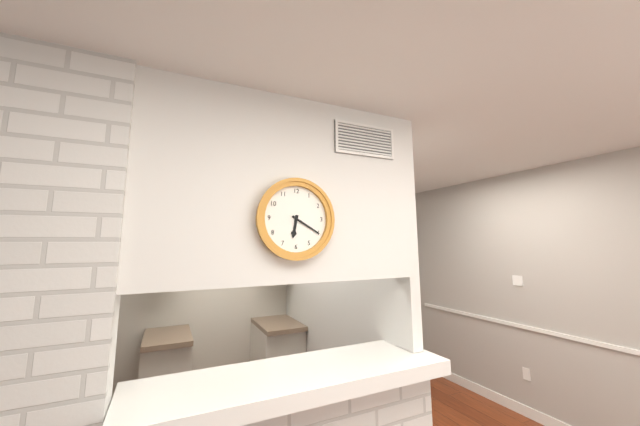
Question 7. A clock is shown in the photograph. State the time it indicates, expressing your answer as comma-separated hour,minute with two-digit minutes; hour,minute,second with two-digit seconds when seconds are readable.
6,20
